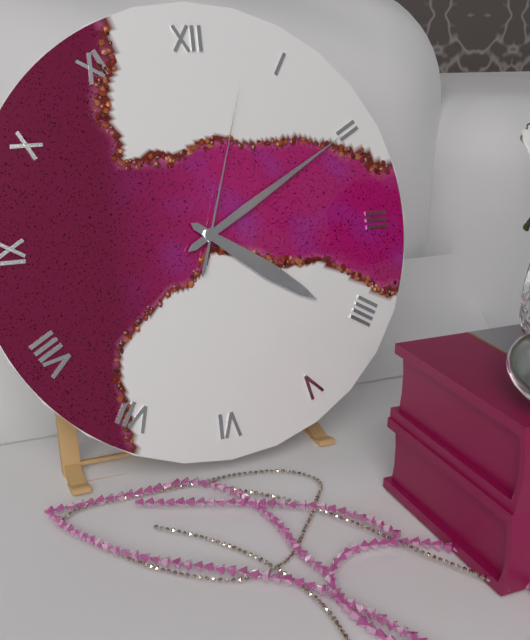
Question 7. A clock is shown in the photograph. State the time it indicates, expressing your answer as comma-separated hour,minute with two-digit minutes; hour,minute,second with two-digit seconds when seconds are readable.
4,10,03
